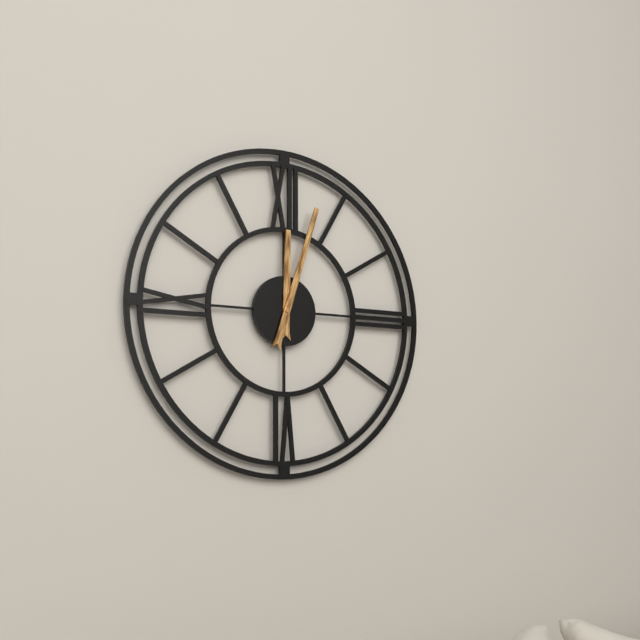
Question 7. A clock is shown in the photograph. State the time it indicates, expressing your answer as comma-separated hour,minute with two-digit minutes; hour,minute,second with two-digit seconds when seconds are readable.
12,03
